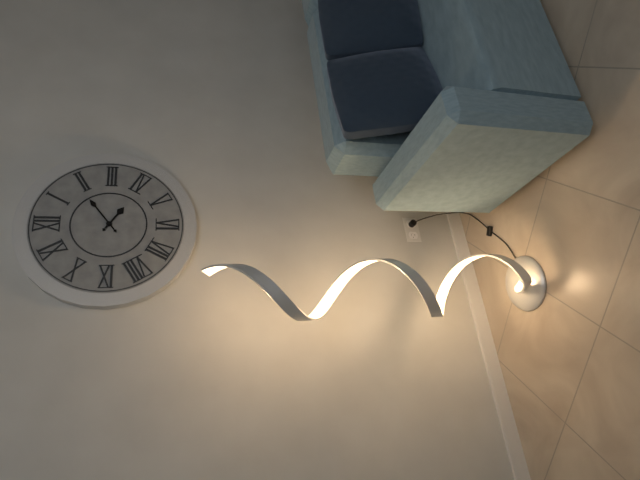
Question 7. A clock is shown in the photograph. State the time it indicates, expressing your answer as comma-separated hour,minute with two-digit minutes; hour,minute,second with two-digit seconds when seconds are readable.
4,09
